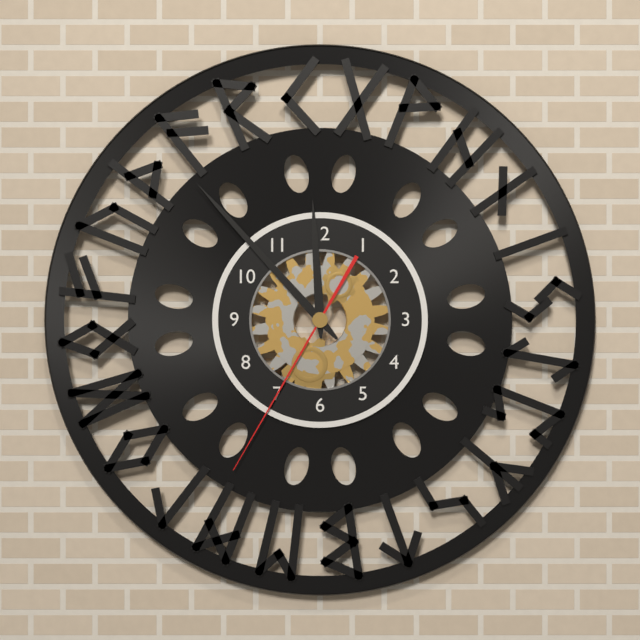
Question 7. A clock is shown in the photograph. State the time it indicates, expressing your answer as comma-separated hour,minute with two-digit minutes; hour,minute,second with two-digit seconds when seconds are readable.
11,53,35
